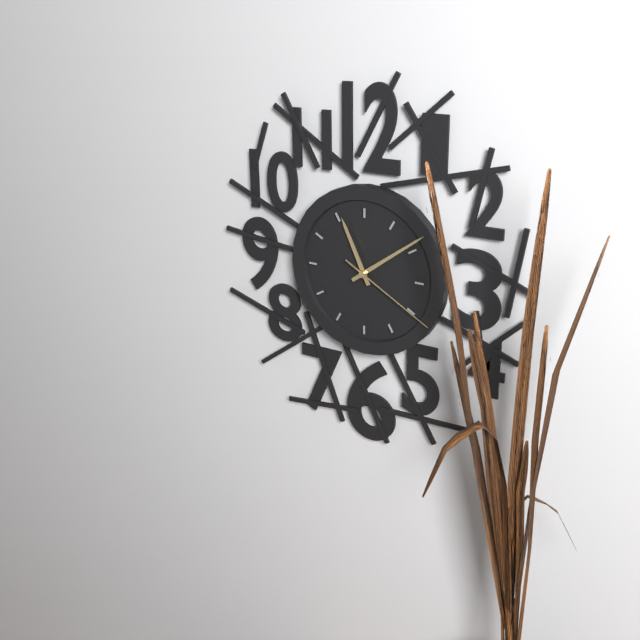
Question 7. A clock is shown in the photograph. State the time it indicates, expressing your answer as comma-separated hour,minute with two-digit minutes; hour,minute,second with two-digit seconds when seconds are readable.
11,09,20
